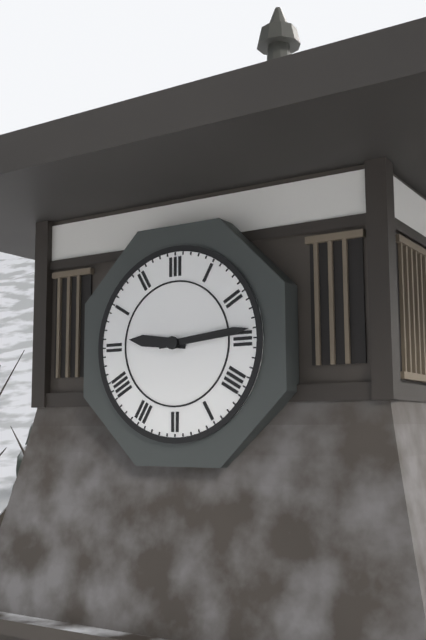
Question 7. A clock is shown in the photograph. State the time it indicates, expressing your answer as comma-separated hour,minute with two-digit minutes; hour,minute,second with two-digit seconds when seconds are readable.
9,14
